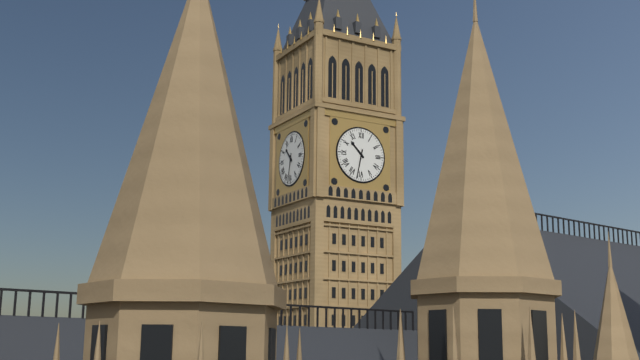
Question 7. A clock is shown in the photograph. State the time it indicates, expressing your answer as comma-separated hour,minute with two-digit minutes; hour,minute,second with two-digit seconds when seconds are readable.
10,32
